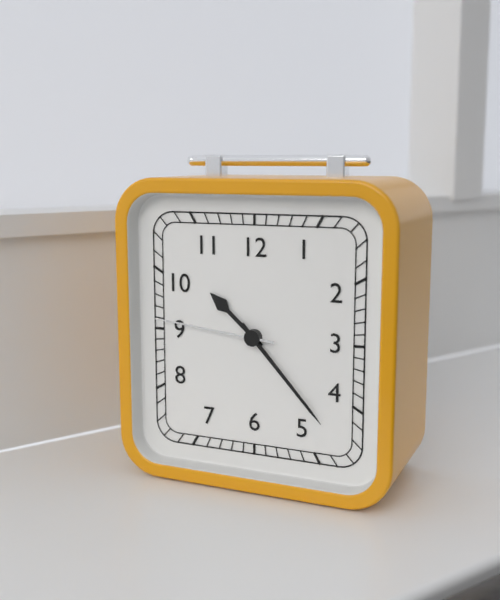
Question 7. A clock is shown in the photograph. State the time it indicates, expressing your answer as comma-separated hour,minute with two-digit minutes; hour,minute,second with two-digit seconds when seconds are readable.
10,23,46
